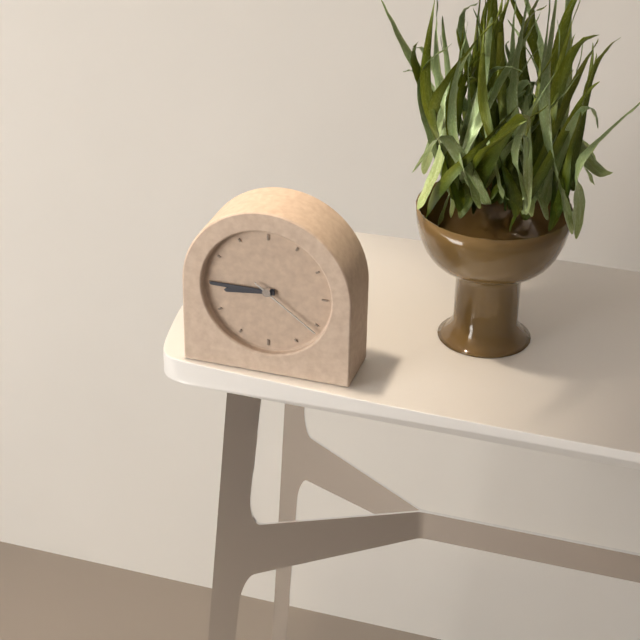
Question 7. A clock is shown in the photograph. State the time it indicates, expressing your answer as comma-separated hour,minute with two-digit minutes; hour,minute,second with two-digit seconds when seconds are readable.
8,45,21
